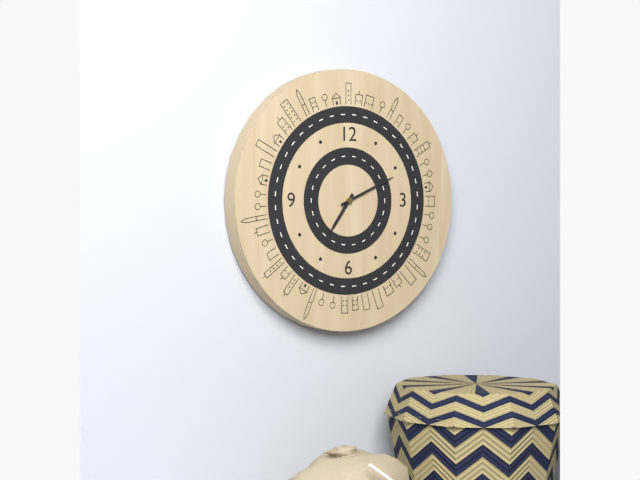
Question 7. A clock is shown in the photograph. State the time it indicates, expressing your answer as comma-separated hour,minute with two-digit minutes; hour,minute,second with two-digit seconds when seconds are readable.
7,11
